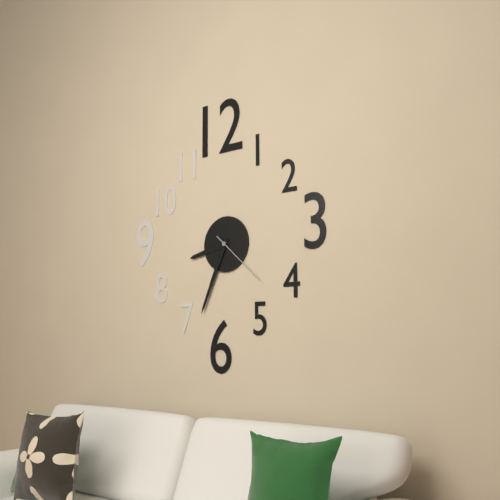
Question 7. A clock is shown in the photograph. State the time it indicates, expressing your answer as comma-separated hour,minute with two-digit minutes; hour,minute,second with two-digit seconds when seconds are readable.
8,34,22
